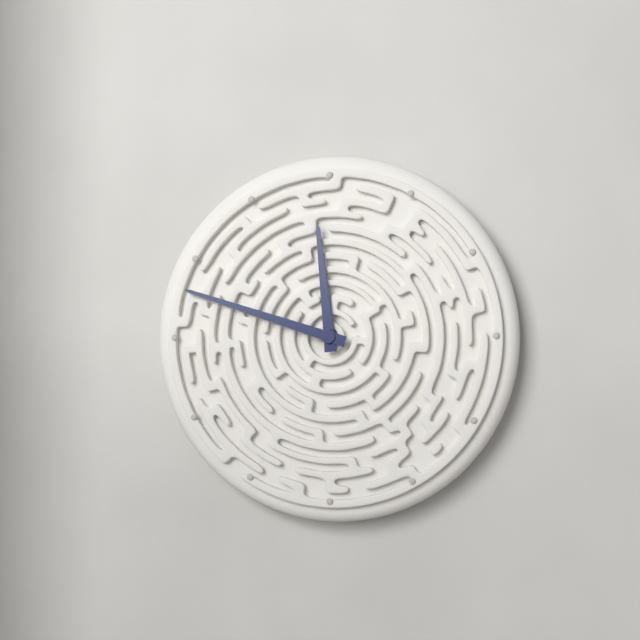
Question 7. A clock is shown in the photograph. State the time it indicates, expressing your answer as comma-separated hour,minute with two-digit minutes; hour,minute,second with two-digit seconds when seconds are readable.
11,48
